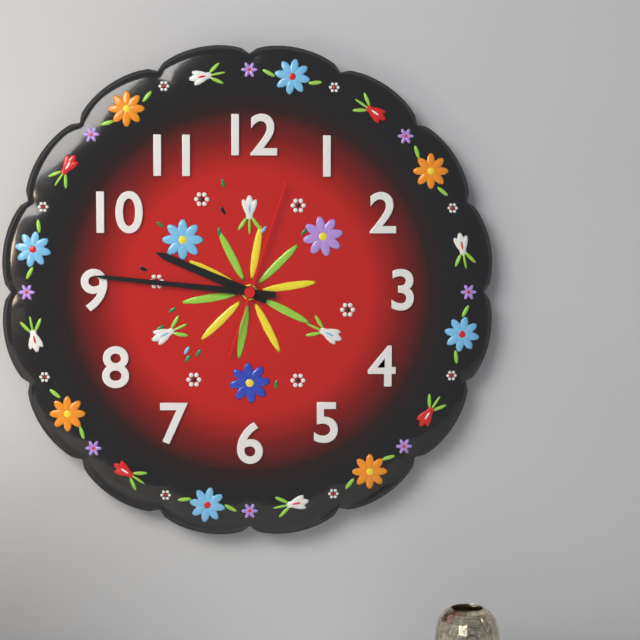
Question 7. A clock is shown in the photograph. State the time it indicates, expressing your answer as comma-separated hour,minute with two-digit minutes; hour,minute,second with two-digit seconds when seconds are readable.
9,46,03
